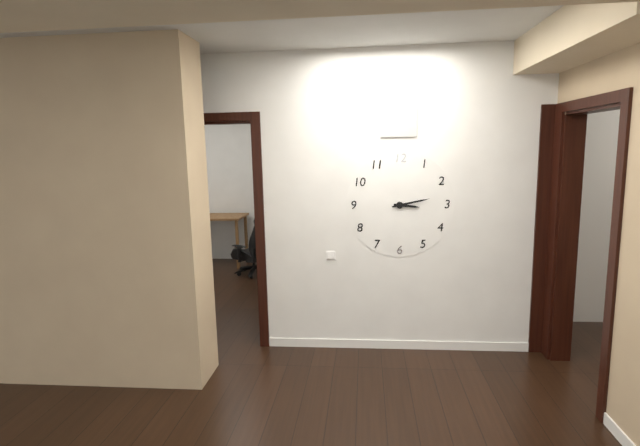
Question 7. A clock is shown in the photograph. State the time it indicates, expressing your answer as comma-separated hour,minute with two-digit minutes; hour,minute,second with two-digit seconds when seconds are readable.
3,13
